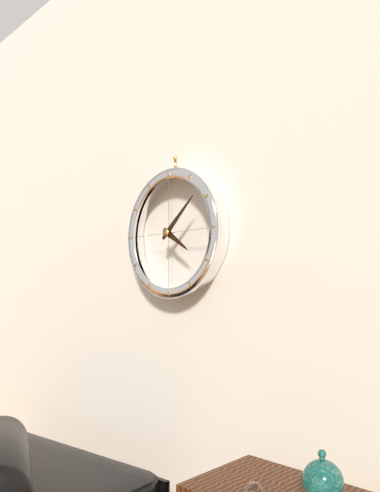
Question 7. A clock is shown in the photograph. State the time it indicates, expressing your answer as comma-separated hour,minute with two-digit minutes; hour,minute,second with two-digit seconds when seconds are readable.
4,08
